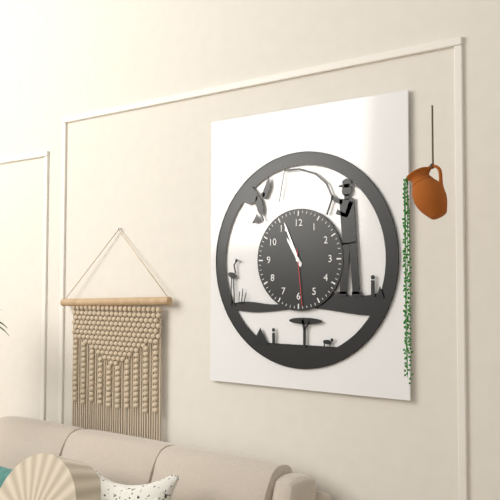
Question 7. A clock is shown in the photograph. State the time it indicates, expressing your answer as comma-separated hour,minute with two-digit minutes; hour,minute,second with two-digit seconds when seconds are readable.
10,56,29
